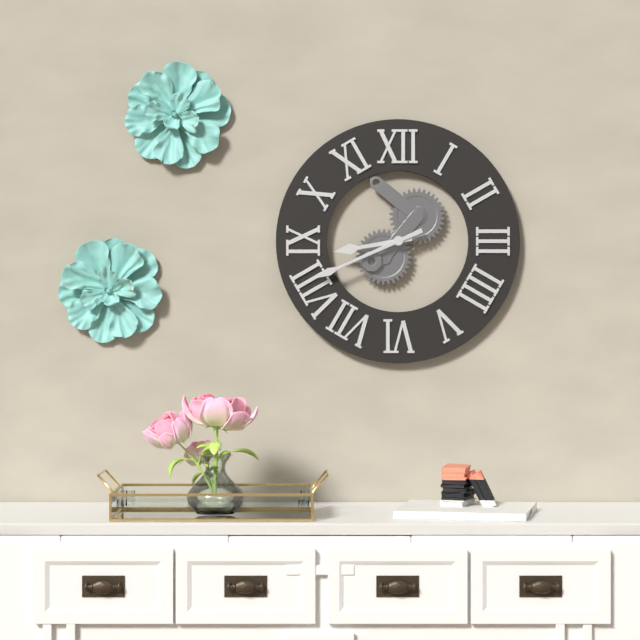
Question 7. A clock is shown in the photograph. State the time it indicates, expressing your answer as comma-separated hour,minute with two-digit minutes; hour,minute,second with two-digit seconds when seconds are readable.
8,41
